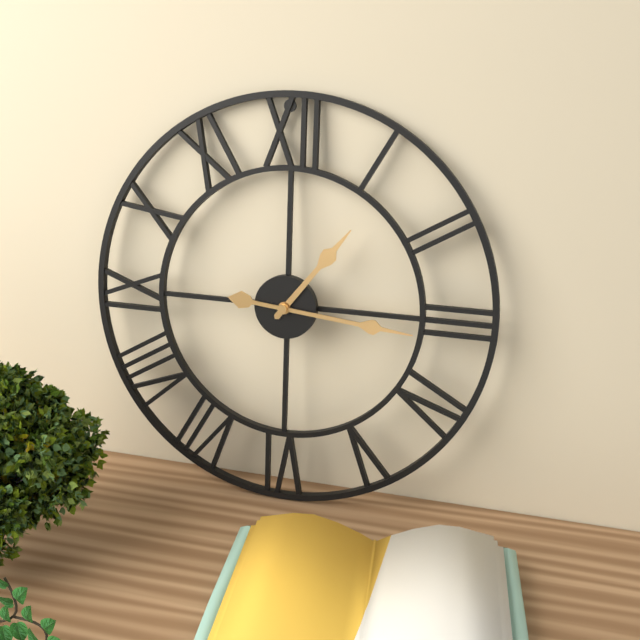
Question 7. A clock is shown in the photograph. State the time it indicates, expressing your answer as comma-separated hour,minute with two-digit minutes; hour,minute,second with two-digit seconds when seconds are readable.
1,16
